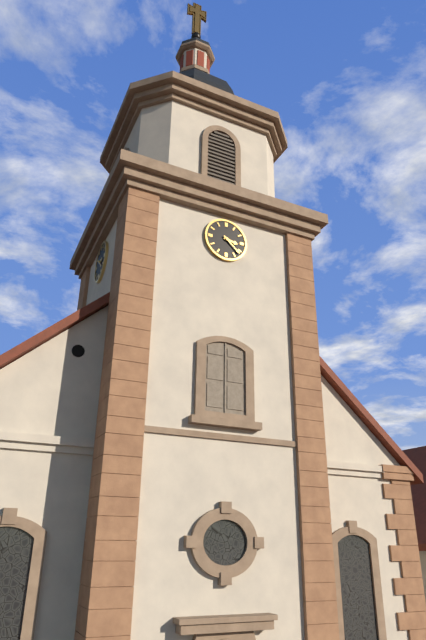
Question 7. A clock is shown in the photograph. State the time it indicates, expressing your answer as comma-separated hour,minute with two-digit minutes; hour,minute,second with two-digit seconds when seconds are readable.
3,22
